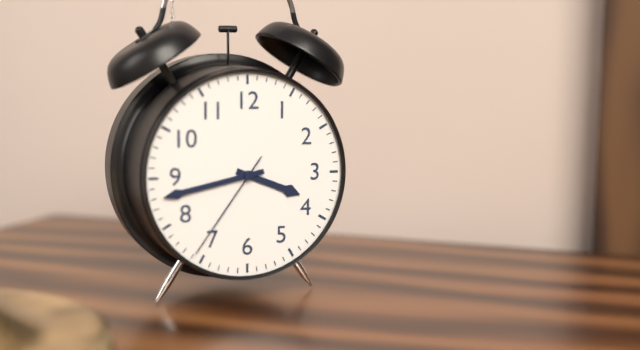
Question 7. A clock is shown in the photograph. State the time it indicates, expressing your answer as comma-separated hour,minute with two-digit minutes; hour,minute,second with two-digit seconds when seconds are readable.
3,43,36
